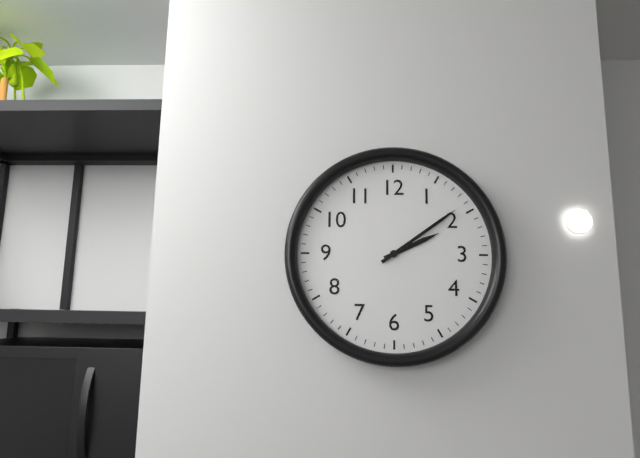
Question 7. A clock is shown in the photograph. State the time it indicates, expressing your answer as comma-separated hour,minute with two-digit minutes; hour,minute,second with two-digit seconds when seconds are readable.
2,09
